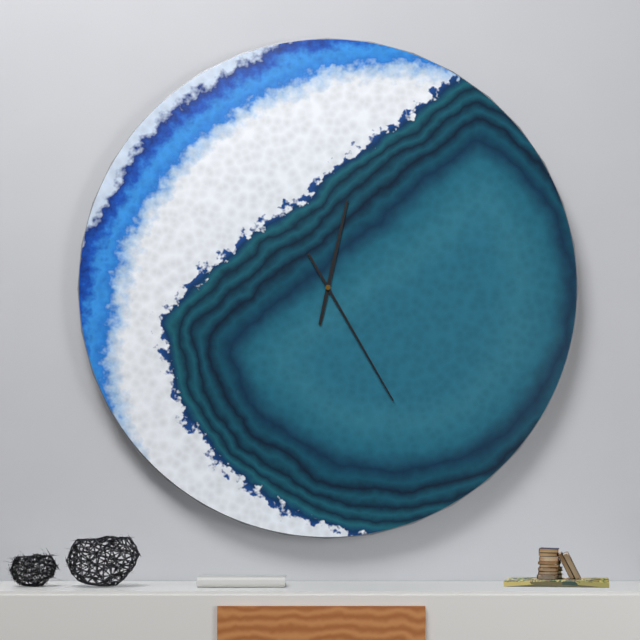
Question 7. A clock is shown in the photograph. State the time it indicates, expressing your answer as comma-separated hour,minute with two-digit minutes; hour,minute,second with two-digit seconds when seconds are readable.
12,25
